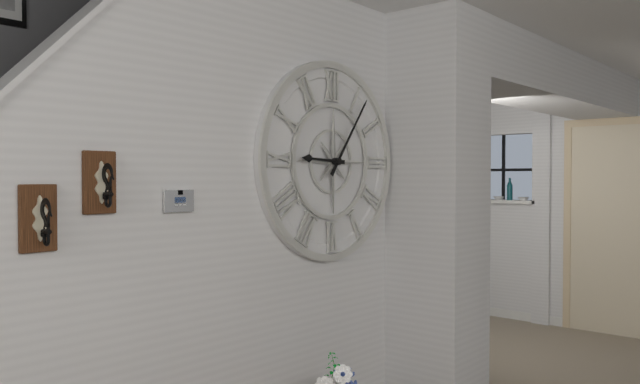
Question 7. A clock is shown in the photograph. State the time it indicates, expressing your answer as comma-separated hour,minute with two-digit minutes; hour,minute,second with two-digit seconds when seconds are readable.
9,06
